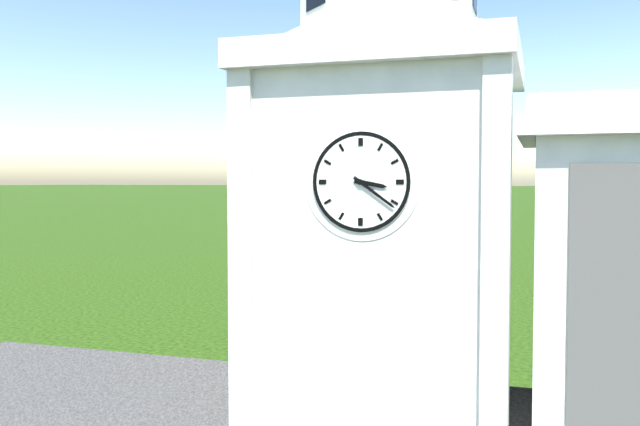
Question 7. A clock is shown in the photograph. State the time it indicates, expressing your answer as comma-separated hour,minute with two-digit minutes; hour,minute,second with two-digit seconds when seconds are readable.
3,21
